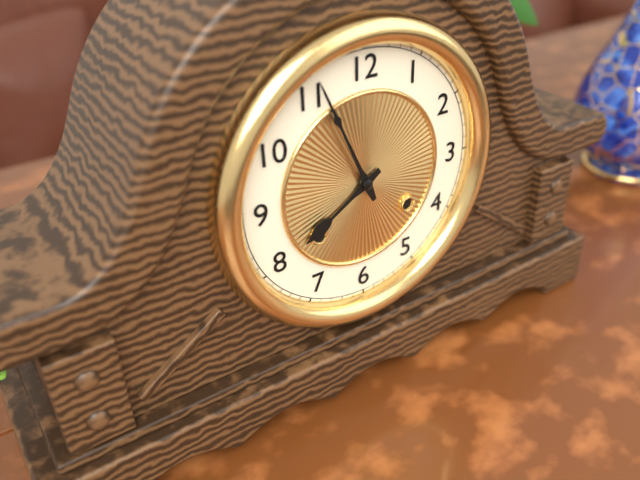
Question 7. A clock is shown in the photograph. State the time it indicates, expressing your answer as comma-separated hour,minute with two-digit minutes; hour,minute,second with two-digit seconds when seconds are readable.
7,56
